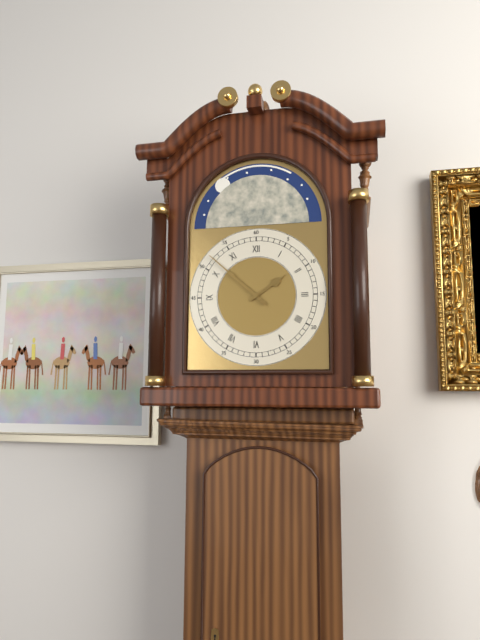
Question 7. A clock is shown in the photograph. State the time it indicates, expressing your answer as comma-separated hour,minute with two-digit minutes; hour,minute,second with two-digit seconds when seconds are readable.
1,52
